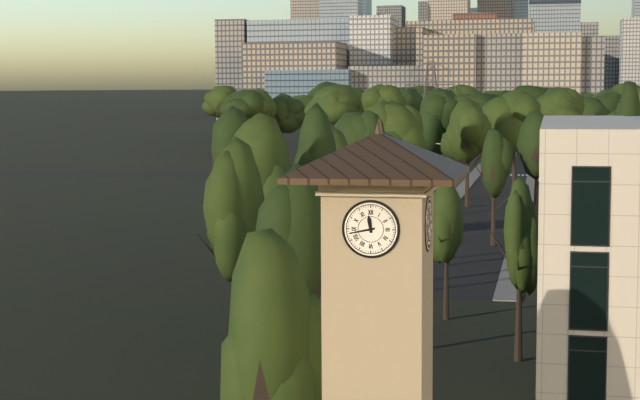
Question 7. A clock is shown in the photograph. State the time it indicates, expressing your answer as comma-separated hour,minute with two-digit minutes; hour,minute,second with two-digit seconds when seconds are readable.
11,43
